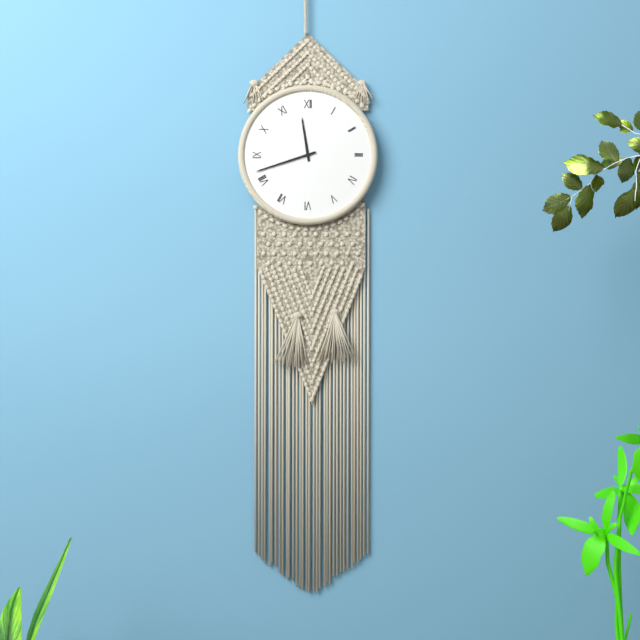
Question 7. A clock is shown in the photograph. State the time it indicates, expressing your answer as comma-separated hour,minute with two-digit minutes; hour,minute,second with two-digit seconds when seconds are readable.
11,42
